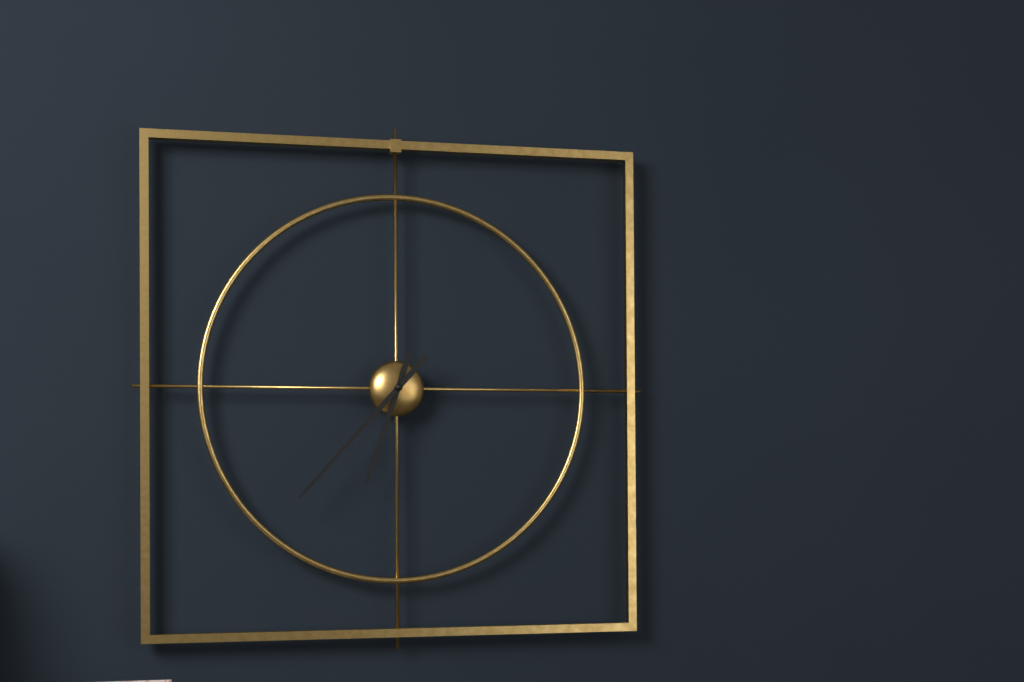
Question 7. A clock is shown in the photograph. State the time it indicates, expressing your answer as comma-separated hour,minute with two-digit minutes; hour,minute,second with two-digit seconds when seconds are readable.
6,37
